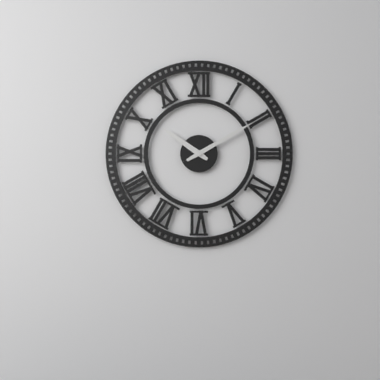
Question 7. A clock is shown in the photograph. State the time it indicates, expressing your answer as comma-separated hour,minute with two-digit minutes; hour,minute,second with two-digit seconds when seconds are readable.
10,10
